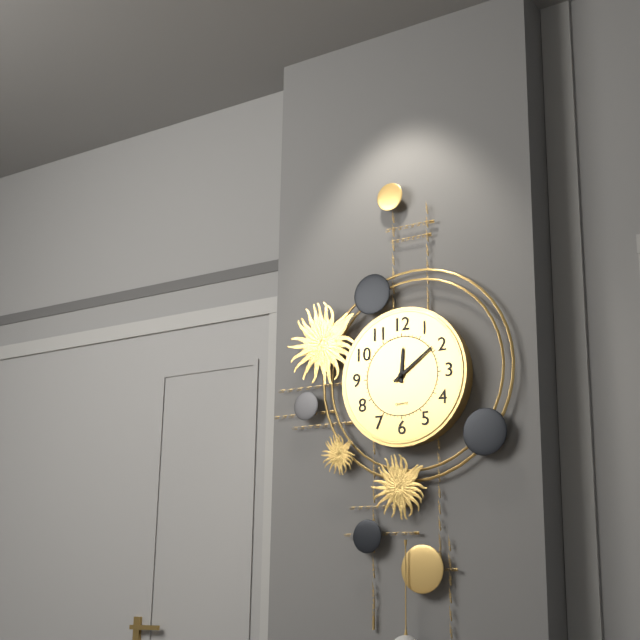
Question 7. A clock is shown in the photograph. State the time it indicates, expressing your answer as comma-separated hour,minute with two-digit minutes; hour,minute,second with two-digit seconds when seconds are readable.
12,09
